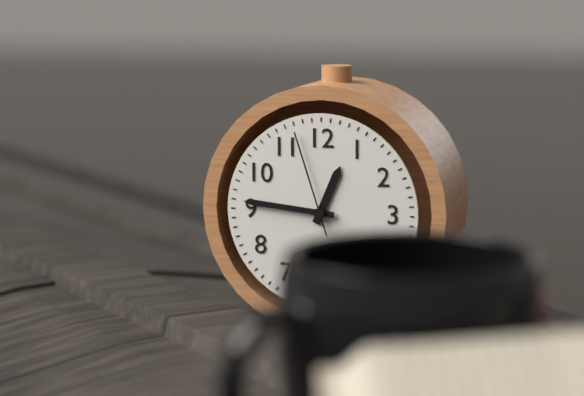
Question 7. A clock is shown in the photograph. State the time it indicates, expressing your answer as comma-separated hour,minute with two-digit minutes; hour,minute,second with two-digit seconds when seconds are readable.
12,46,57
